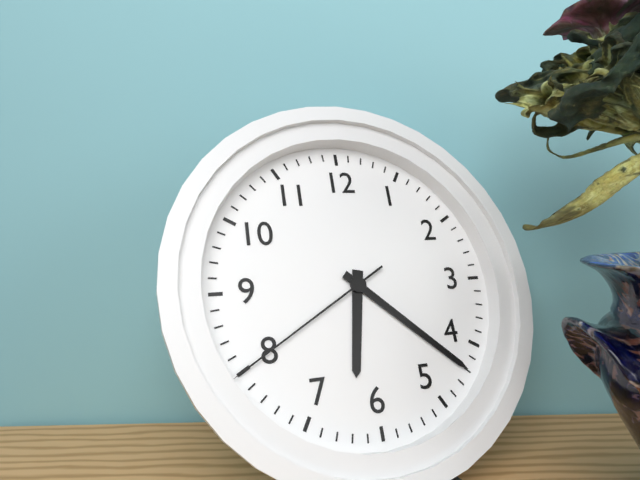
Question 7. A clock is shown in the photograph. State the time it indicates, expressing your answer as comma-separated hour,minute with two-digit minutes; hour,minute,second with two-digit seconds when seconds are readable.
6,22,40
